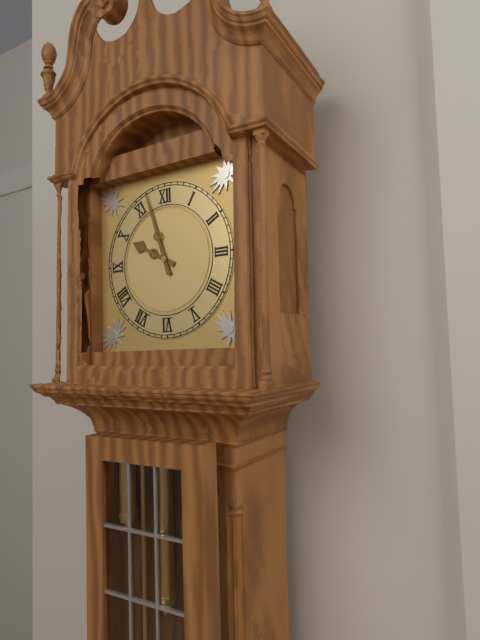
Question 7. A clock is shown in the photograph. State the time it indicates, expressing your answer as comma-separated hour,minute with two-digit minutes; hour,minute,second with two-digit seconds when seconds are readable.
9,57
